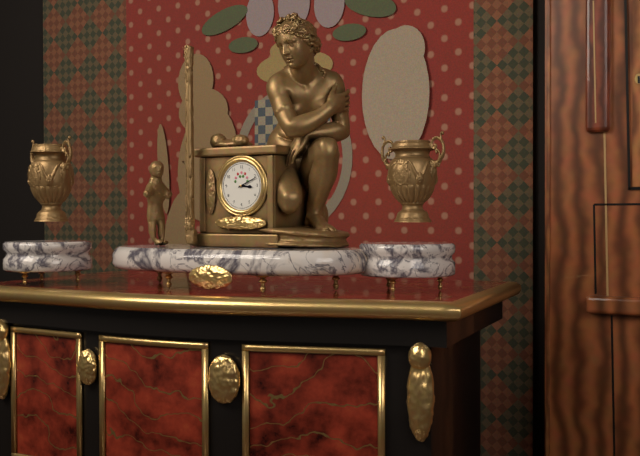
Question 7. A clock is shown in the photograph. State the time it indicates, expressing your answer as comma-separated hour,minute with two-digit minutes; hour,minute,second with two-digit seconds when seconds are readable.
3,11
